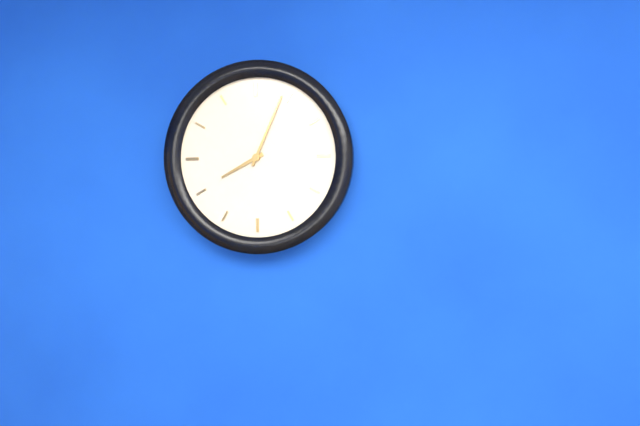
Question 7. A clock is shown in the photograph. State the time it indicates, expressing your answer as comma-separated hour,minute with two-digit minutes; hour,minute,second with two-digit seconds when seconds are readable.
8,04
